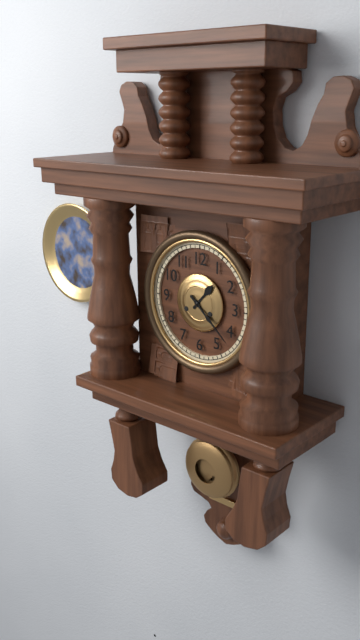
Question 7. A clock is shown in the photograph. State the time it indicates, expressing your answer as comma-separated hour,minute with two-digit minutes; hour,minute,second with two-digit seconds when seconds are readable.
1,22
